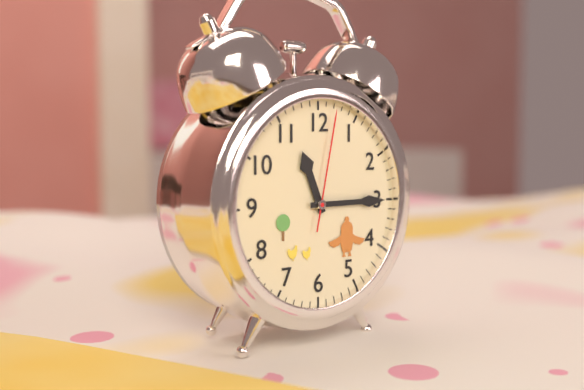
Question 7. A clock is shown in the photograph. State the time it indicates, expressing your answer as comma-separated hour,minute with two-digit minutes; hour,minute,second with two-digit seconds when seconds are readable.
11,15,02
